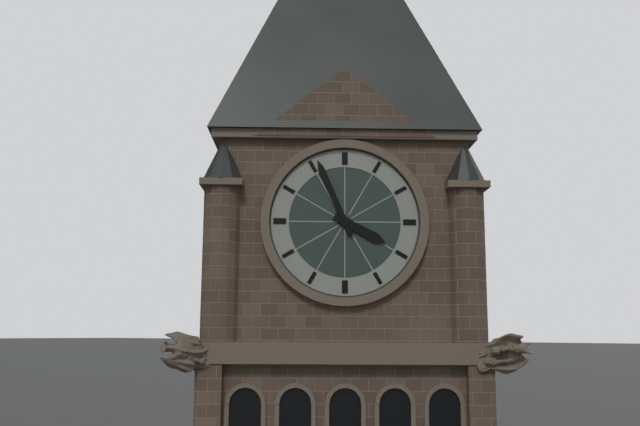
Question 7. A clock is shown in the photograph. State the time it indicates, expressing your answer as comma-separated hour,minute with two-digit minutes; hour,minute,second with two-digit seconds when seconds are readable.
3,56
